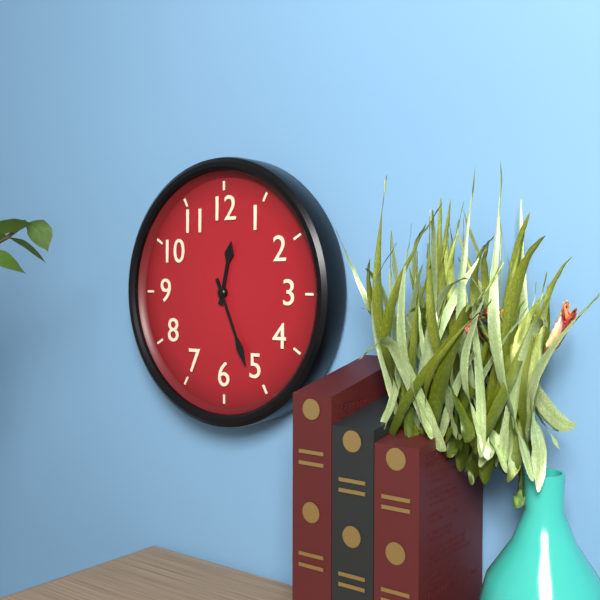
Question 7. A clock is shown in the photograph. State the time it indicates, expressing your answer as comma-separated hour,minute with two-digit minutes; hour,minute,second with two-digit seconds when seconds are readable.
12,26
